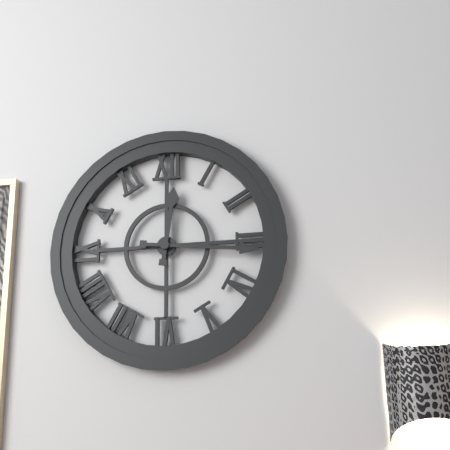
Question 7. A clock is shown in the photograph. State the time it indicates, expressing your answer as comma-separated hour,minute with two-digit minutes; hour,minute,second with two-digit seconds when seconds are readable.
12,16
